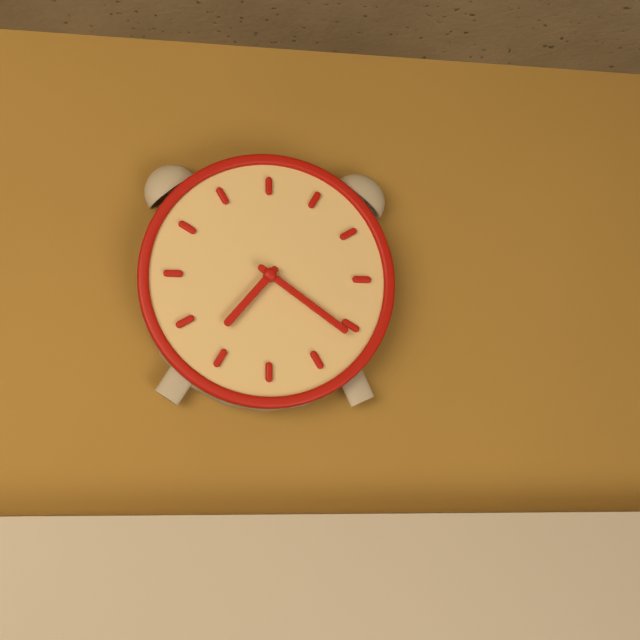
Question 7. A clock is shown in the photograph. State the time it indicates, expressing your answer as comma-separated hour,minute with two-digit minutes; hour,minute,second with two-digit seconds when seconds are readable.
7,21
